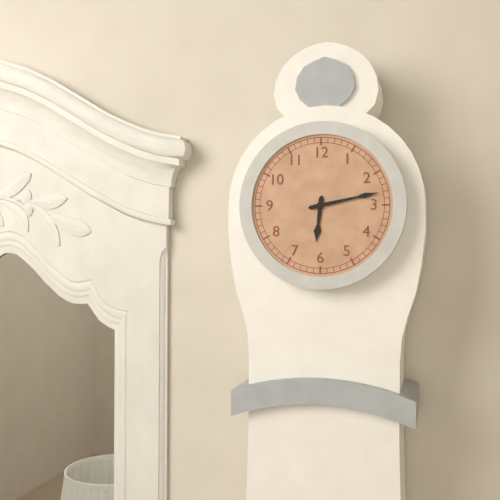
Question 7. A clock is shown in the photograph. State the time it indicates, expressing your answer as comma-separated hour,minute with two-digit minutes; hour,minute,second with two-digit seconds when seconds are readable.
6,13
